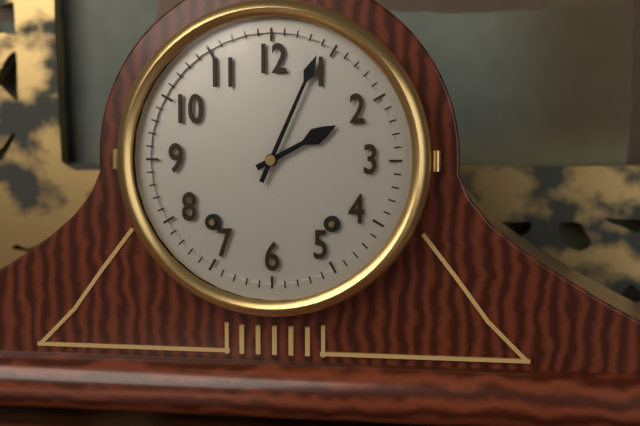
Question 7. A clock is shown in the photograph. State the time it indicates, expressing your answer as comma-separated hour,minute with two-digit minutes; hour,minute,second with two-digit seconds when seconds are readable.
2,04
